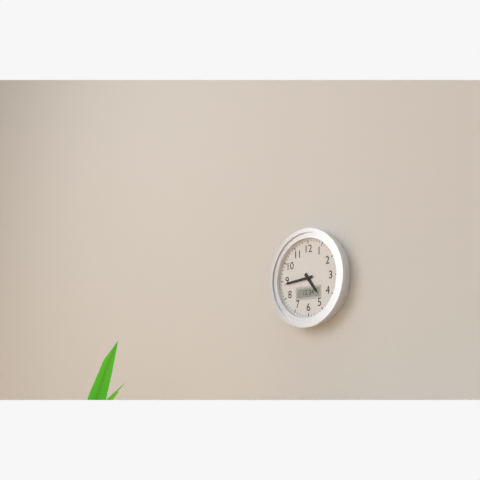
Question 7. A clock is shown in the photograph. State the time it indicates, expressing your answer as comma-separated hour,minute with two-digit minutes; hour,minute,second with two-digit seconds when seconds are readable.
4,44
